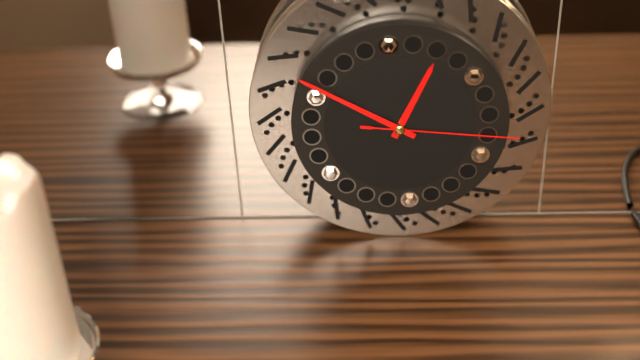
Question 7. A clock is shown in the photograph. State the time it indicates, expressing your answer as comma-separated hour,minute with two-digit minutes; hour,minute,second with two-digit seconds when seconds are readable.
12,50,16
